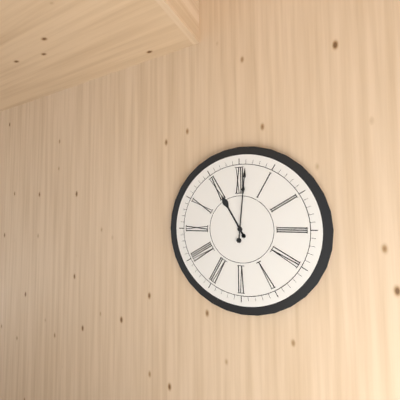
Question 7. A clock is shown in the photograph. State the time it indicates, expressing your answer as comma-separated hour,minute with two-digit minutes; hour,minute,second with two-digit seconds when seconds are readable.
11,01
